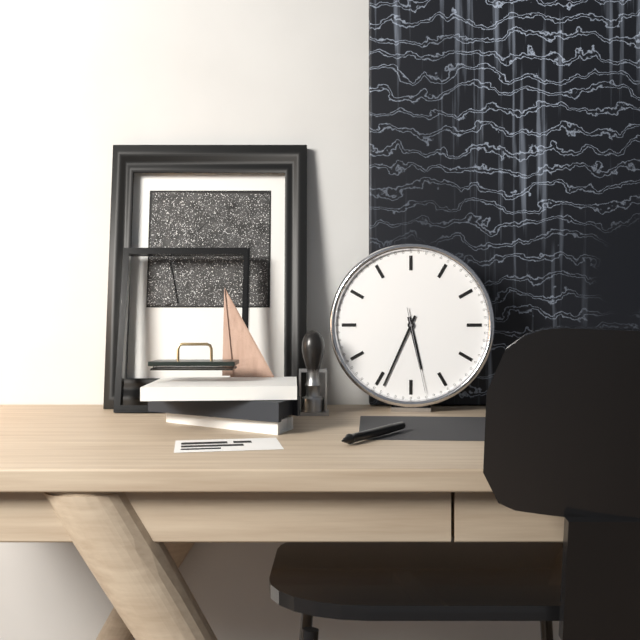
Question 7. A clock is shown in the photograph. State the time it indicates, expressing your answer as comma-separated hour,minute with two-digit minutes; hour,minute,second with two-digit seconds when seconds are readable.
5,34,28
